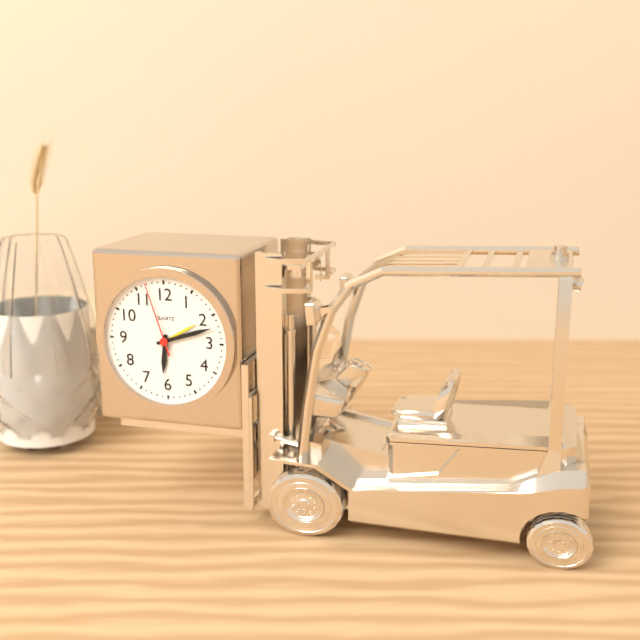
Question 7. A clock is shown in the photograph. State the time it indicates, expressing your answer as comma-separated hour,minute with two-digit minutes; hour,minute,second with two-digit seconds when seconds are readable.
6,12,57
